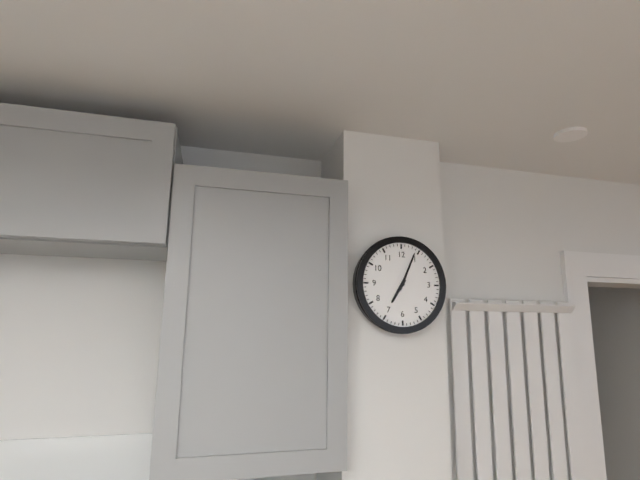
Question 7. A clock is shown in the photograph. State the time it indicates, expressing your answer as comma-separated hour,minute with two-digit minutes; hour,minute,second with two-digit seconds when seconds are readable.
7,04
